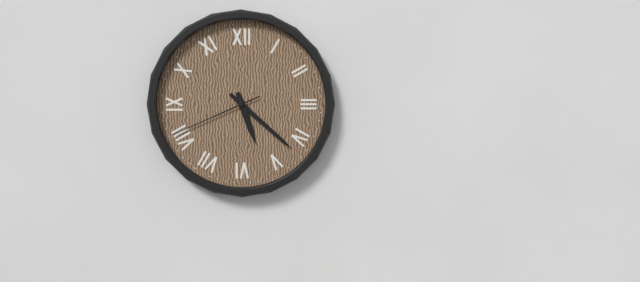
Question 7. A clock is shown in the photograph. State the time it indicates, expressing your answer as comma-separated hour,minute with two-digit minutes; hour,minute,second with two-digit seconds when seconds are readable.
5,22,41
